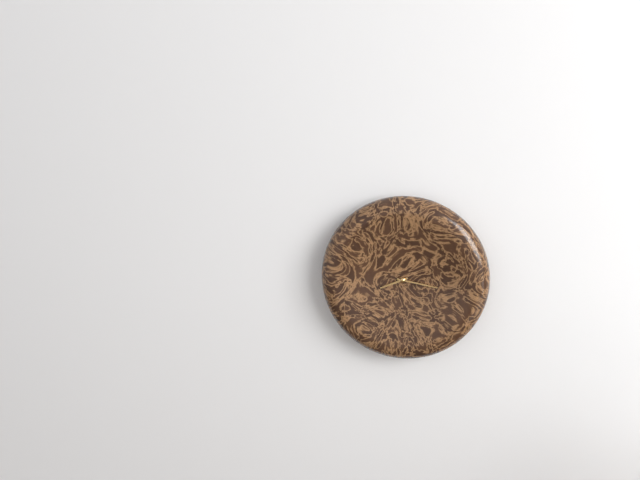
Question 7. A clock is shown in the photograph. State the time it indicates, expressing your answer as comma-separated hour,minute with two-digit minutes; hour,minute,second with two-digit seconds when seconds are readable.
8,17
